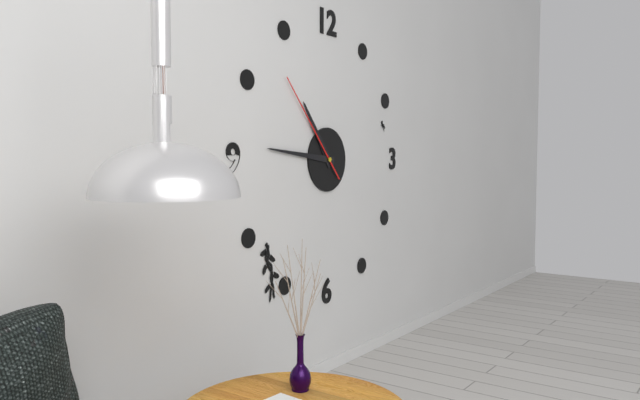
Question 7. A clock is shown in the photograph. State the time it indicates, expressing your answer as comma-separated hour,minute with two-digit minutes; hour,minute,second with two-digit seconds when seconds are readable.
10,46,53
